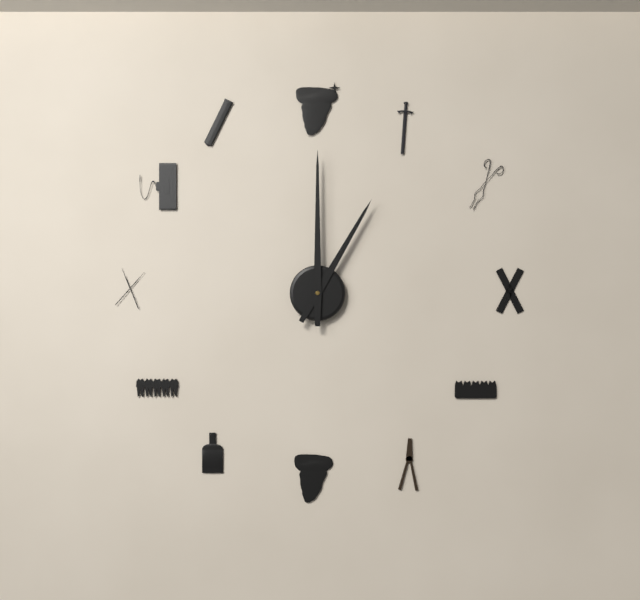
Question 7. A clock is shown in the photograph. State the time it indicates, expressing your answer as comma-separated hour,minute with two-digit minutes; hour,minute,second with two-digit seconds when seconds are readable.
1,00
